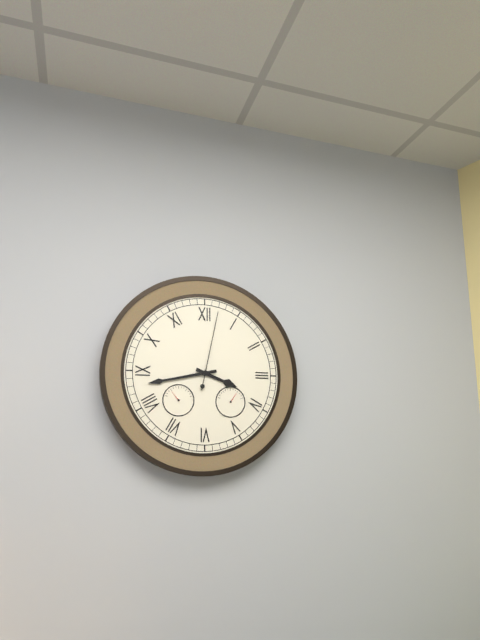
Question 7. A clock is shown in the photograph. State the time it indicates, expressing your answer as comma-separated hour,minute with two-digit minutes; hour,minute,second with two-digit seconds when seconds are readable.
3,43,02
